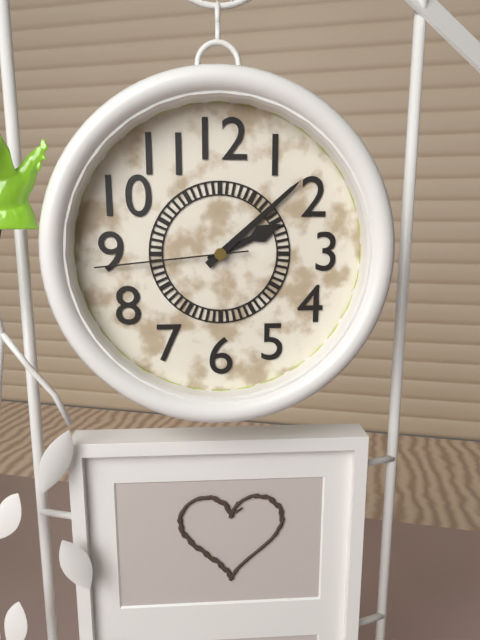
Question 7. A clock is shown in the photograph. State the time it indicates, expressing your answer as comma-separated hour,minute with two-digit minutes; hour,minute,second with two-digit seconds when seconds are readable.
2,08,44
